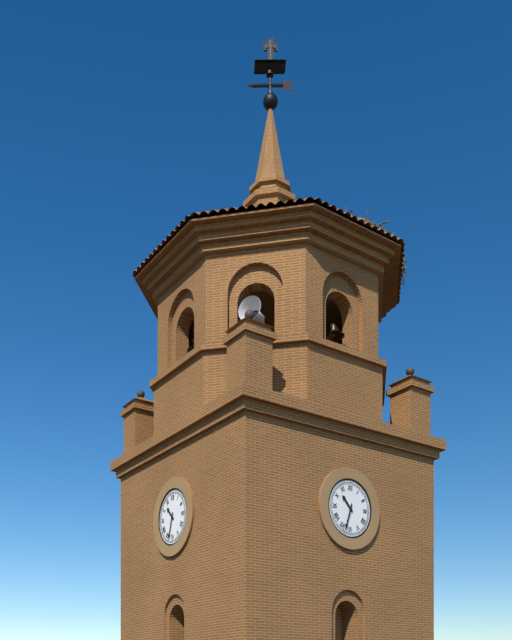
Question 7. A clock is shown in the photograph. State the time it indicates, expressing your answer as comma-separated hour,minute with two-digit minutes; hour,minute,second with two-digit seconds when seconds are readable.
10,33
